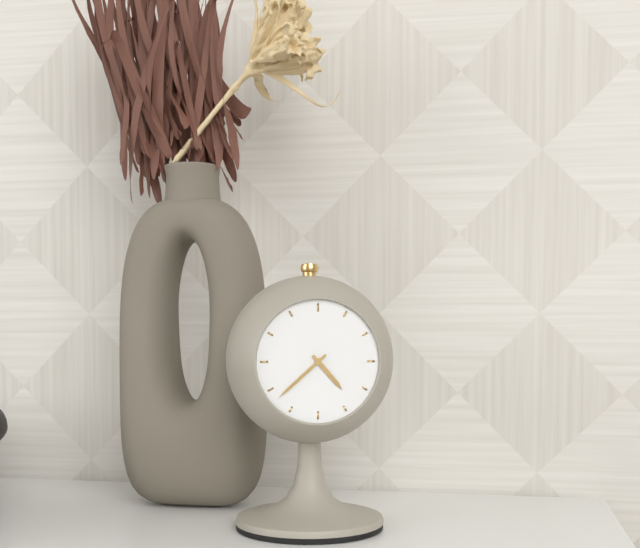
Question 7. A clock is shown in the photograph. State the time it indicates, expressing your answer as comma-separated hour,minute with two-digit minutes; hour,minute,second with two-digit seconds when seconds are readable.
4,38
